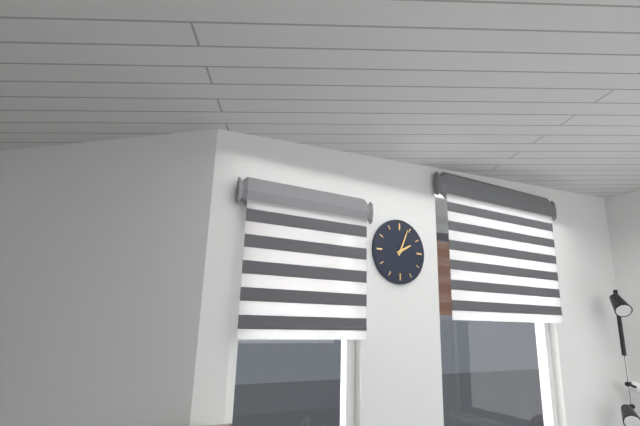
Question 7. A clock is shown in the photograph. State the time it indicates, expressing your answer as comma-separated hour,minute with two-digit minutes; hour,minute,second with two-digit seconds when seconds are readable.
2,04
